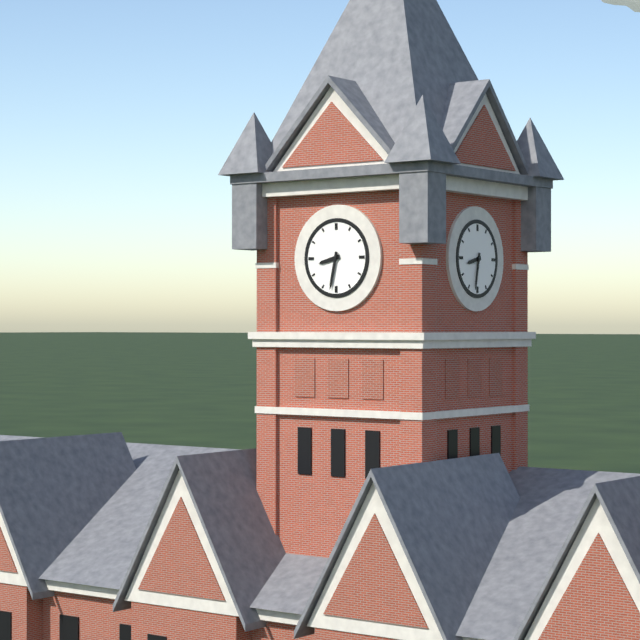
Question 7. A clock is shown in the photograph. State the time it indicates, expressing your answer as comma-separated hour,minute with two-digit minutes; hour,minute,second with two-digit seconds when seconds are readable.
8,32
